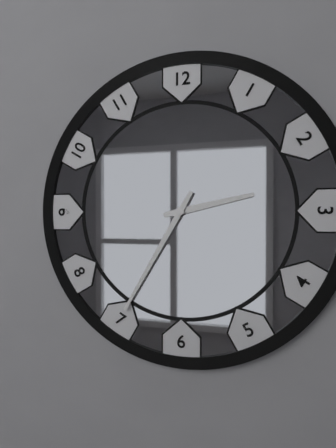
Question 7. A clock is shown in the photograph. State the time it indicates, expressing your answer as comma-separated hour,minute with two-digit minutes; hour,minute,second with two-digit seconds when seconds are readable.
2,35
